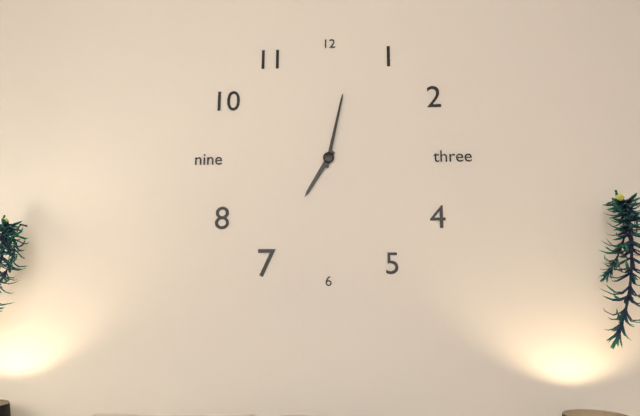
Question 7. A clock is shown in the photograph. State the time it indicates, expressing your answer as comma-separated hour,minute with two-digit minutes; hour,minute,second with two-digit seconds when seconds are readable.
7,02
